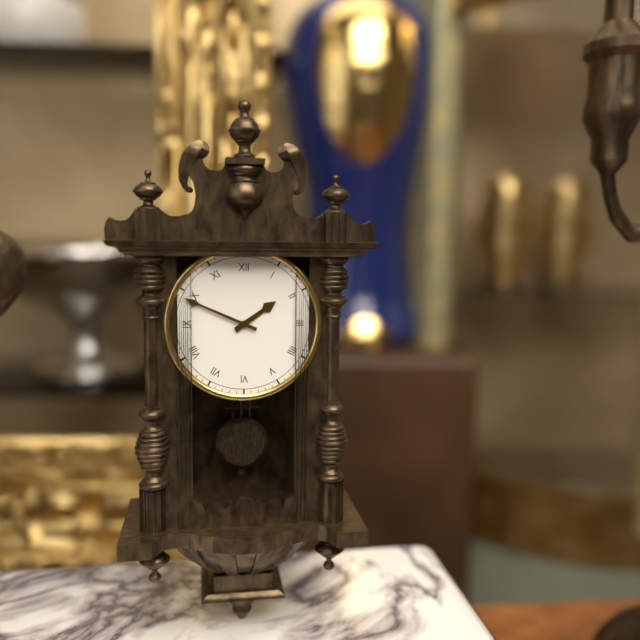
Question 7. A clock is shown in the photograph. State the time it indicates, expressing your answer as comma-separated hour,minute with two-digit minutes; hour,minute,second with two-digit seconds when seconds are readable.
1,49
